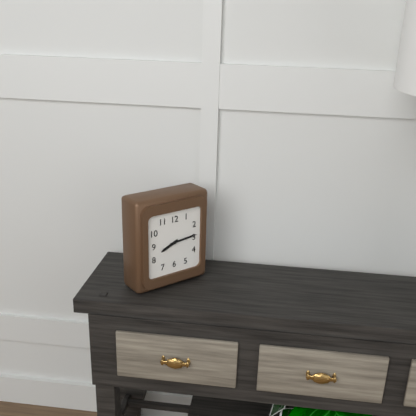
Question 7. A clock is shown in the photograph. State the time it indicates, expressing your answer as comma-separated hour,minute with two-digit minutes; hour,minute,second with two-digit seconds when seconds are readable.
8,14
